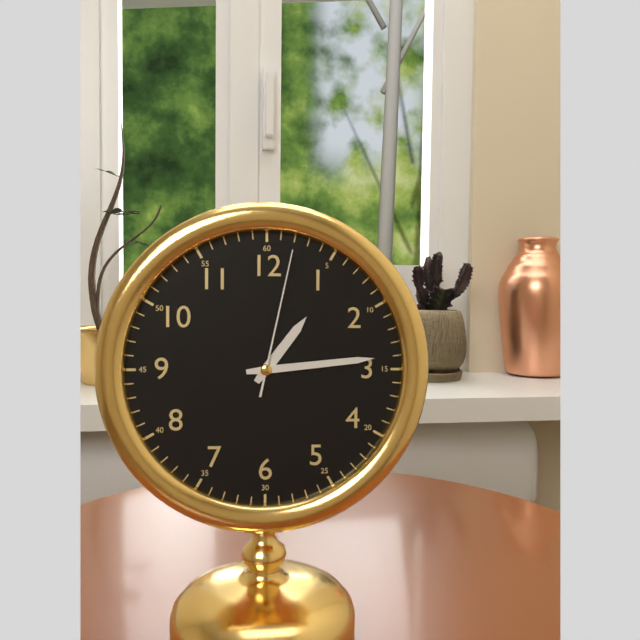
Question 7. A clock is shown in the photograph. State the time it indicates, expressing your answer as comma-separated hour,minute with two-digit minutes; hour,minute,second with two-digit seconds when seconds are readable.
1,14,02
